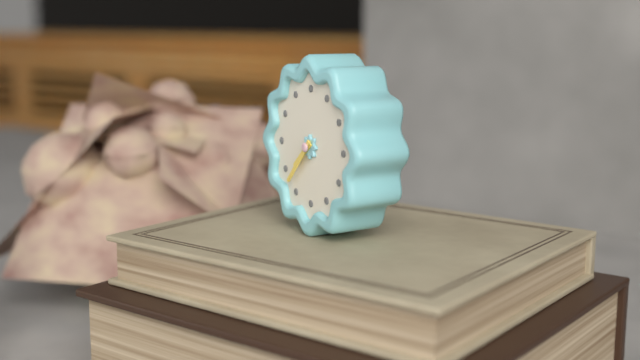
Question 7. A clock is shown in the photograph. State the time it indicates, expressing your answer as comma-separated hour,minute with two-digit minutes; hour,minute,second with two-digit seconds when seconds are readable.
7,37
